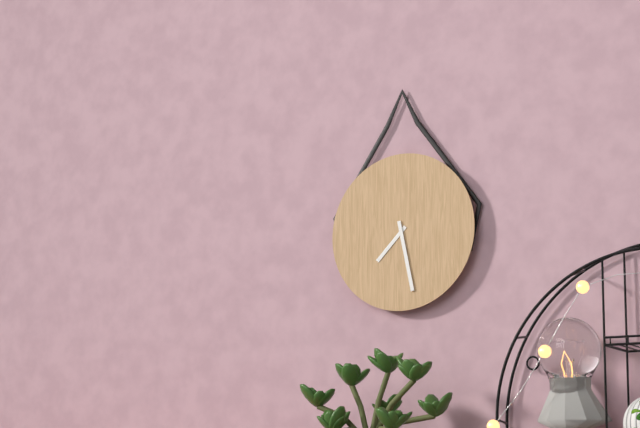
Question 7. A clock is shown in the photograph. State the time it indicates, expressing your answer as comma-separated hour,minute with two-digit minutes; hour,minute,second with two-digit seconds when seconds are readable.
7,28
